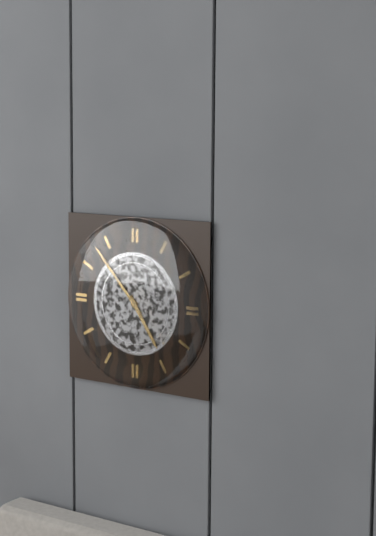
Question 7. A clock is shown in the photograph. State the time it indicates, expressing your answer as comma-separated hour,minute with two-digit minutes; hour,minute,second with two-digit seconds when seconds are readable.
4,53
